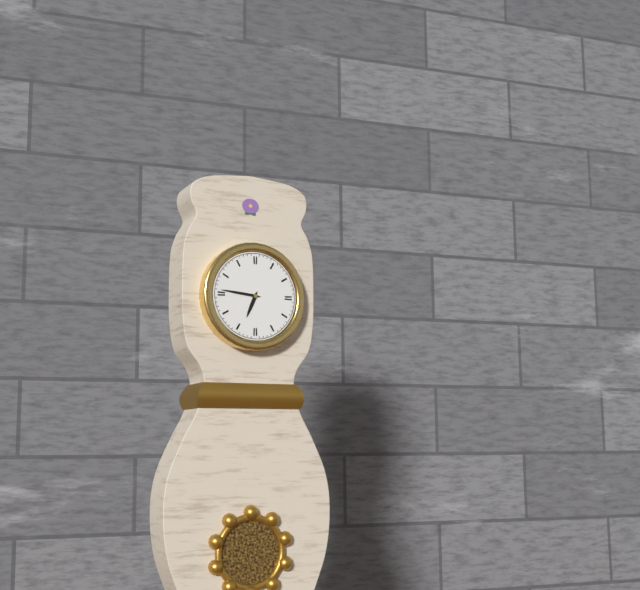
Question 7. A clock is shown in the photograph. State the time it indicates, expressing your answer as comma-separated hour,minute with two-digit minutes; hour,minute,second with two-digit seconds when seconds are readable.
6,46
